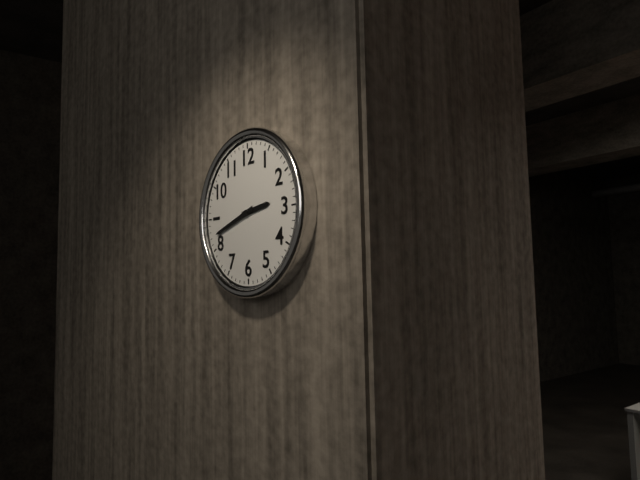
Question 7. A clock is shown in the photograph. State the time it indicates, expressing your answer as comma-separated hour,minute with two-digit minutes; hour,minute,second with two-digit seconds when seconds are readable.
2,42
